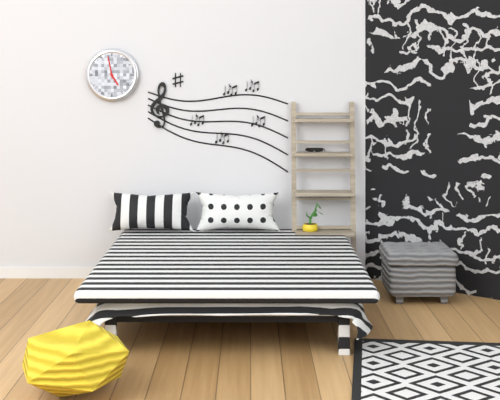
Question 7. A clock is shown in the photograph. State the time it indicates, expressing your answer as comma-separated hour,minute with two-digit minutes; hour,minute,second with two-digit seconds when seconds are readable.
4,58
